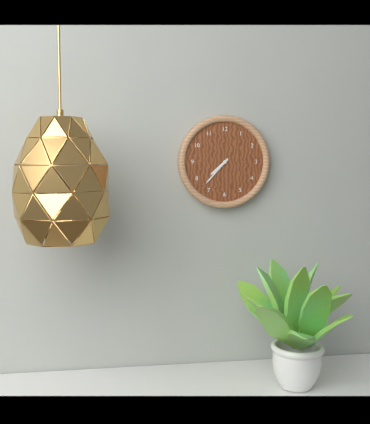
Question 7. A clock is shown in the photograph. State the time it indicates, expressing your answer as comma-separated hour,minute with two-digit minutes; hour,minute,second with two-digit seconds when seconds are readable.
7,37
